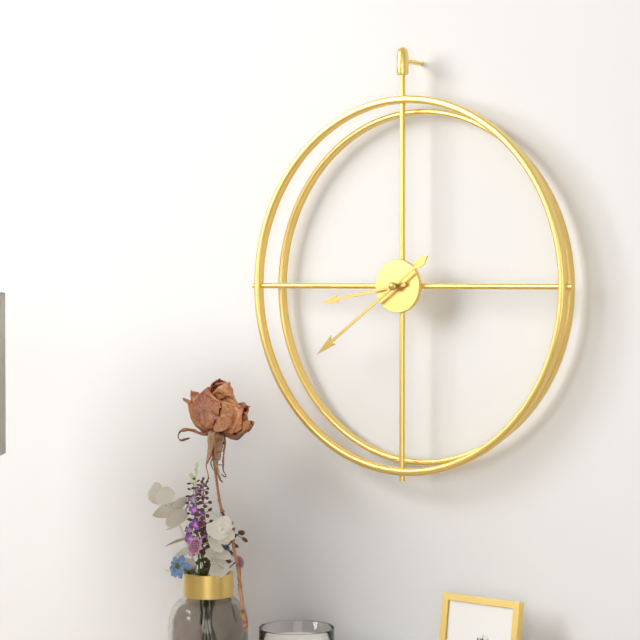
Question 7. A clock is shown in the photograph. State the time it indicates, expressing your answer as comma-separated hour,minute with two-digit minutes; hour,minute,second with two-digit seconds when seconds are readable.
8,39
